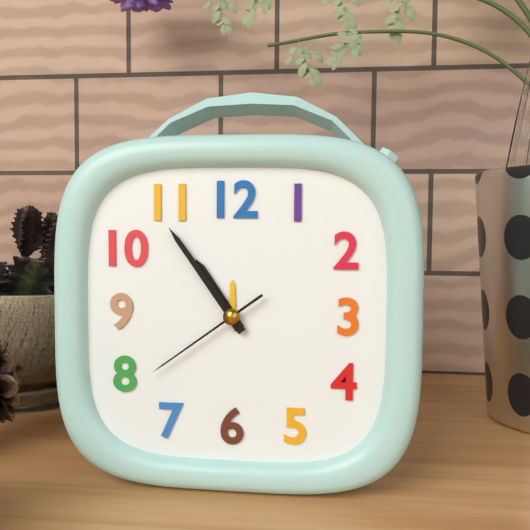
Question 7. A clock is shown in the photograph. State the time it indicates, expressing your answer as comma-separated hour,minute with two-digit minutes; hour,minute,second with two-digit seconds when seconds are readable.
10,54,39
